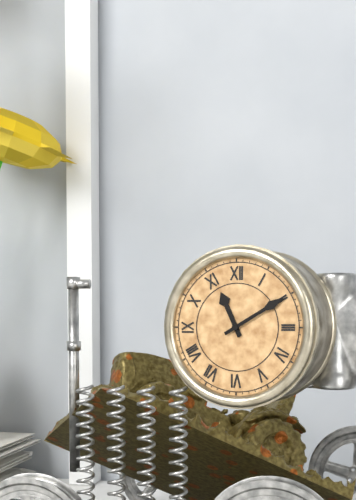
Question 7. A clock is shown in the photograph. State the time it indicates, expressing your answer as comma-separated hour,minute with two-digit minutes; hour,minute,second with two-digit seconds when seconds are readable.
11,10
